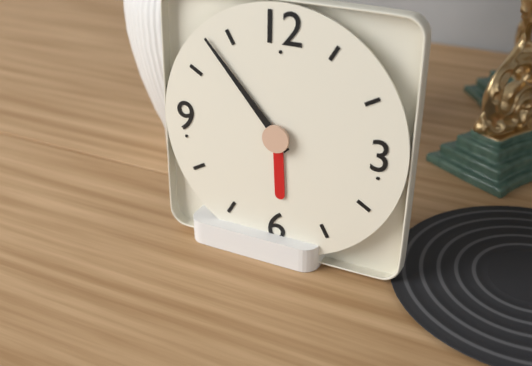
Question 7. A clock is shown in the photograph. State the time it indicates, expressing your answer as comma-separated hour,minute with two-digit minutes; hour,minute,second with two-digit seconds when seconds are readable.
5,53
